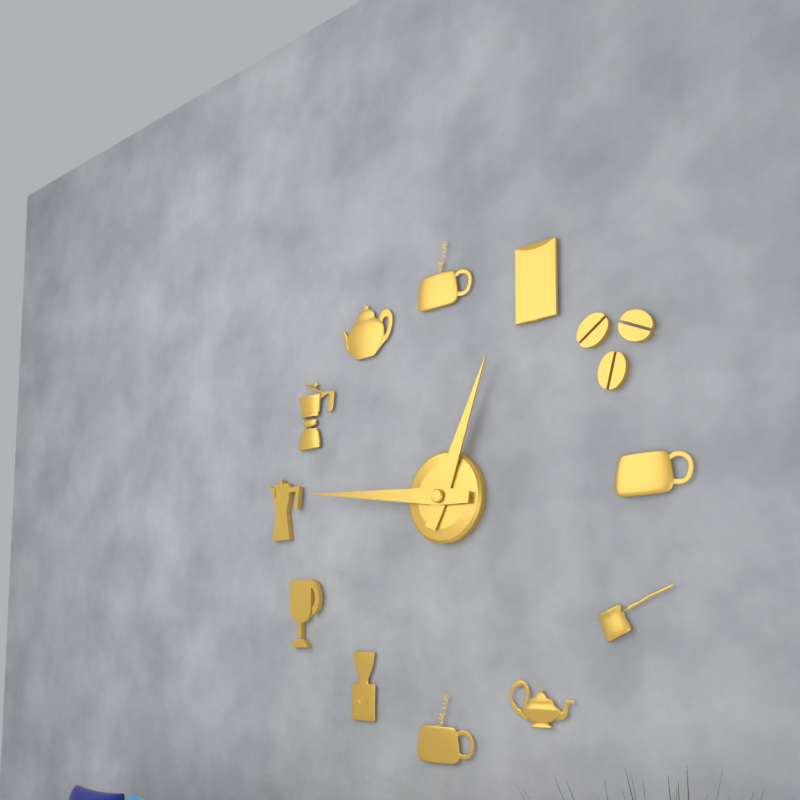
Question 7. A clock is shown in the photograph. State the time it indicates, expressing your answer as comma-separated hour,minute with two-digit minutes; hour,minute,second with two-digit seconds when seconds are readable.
12,46
